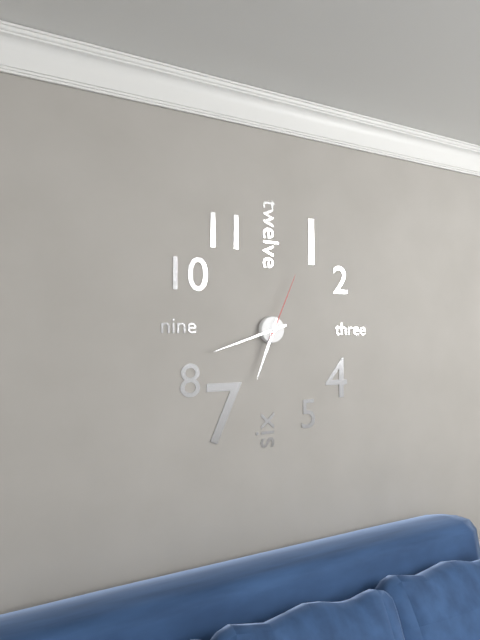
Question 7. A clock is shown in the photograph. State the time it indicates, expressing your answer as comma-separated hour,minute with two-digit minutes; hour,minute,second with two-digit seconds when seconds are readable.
6,42,04
